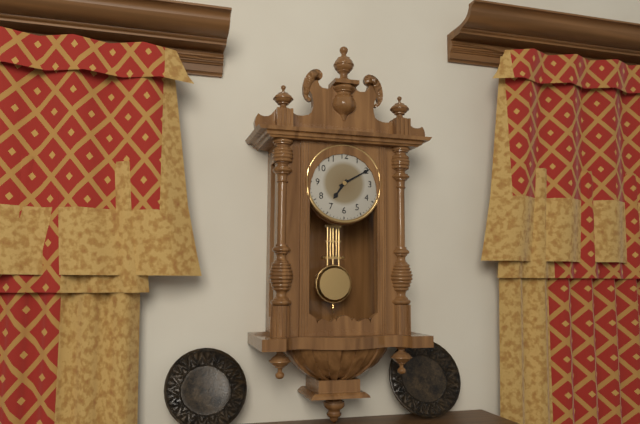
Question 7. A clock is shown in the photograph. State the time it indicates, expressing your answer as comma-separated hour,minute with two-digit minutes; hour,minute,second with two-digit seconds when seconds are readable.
7,10
